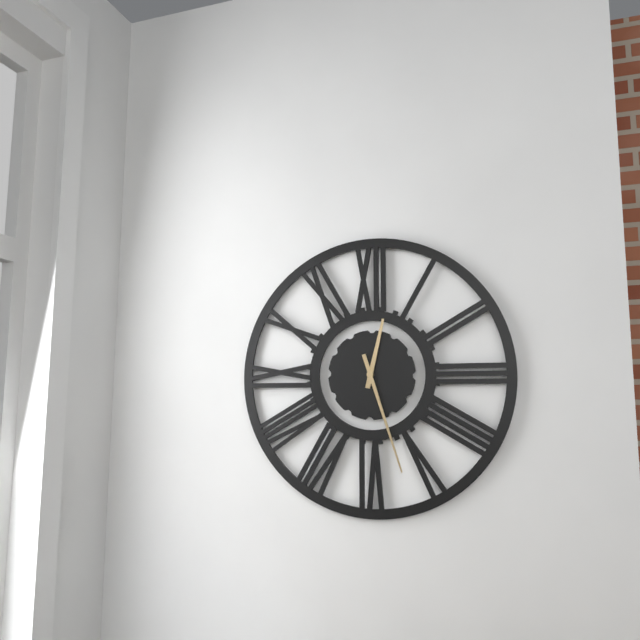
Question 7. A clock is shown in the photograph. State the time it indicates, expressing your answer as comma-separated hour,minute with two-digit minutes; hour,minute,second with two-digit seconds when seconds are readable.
12,27
